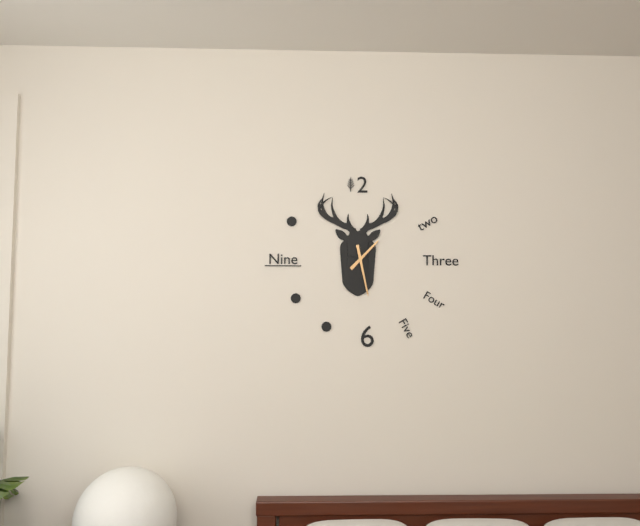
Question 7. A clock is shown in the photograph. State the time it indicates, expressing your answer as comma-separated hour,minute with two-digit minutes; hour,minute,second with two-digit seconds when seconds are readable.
1,28
